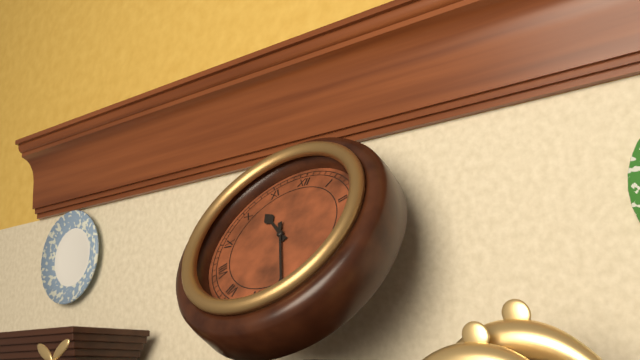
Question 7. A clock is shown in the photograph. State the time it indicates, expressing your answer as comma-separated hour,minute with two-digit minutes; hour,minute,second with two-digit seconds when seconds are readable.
10,26
